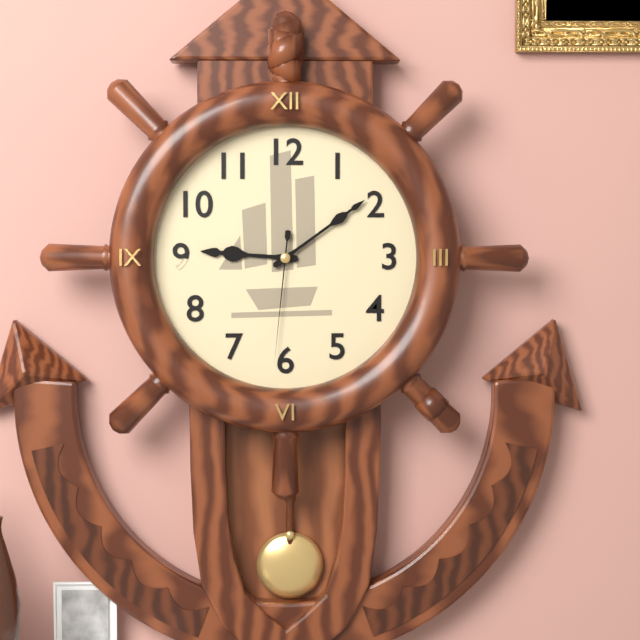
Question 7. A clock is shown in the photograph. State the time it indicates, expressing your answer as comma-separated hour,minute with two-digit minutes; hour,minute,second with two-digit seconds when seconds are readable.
9,09,31
